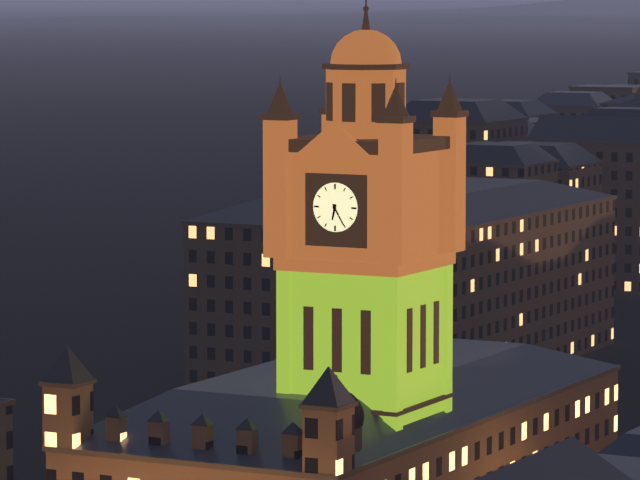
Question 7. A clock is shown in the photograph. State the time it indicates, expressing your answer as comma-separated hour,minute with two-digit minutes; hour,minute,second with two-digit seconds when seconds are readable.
6,25
